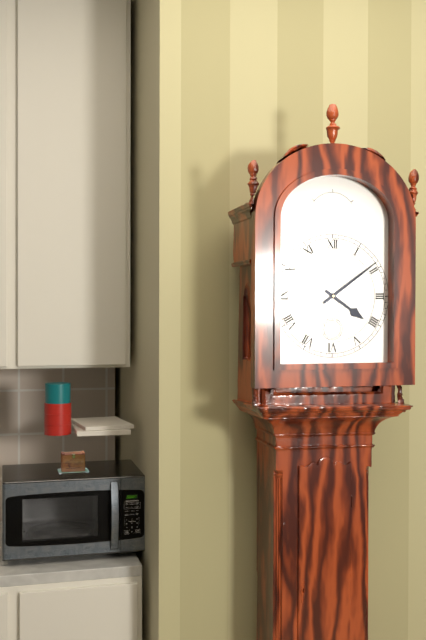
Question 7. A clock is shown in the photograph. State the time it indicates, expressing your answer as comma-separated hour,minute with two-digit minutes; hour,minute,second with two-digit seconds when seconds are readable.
4,09
